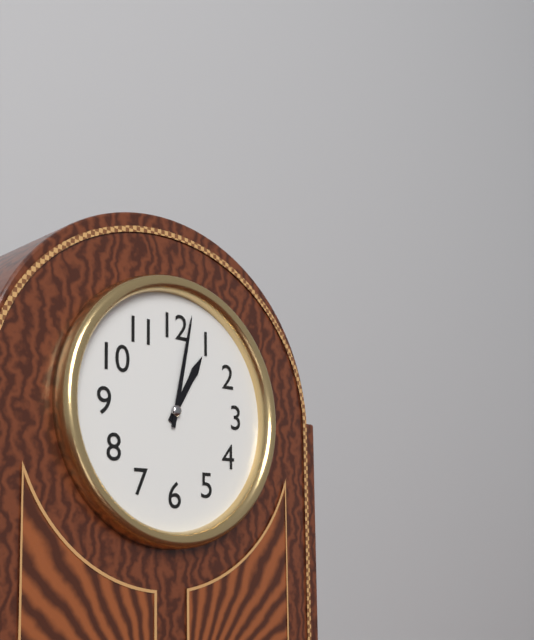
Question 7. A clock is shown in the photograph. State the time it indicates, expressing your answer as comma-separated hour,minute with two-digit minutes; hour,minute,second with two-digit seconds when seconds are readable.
1,02
